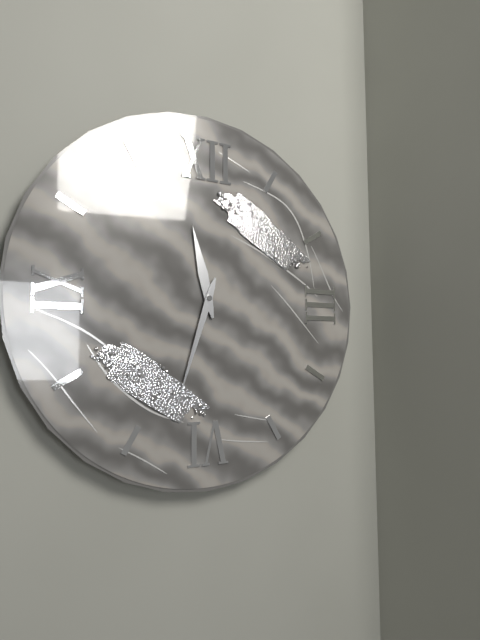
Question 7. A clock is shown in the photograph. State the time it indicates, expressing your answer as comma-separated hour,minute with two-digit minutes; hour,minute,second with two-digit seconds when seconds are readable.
11,33
